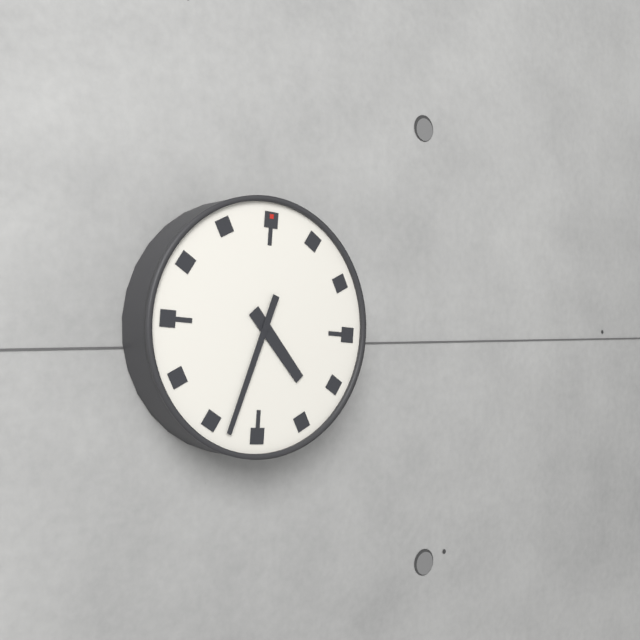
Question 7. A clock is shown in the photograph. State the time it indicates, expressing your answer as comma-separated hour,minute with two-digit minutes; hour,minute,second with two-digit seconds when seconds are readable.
4,33
